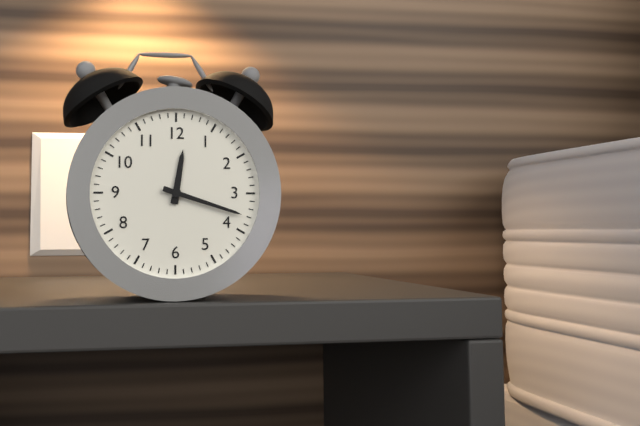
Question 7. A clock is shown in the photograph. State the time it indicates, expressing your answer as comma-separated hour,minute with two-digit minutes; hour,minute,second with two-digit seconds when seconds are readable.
12,18
